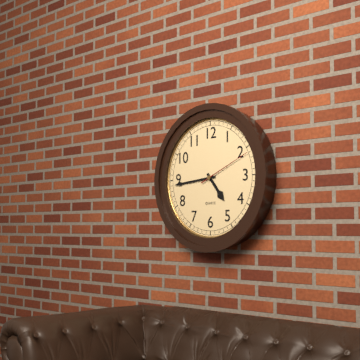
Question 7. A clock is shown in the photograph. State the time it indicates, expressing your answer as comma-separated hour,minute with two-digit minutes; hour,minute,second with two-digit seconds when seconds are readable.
4,44,11
